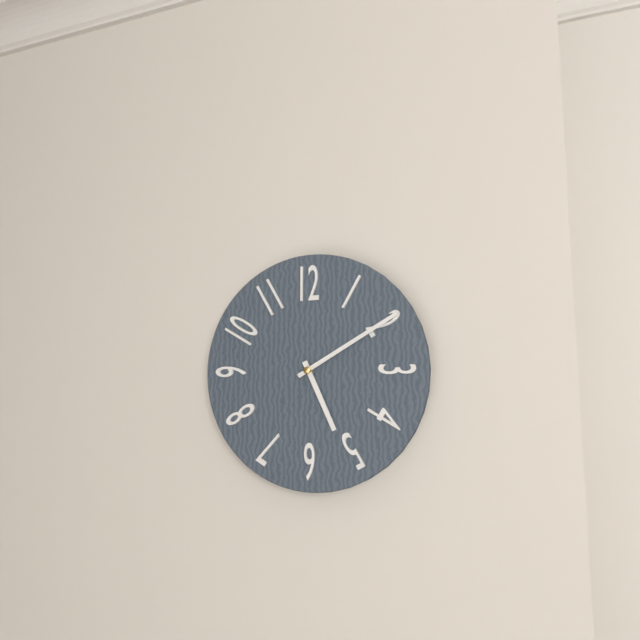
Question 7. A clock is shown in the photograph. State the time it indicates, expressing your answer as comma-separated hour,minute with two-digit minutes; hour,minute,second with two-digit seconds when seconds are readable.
5,10
